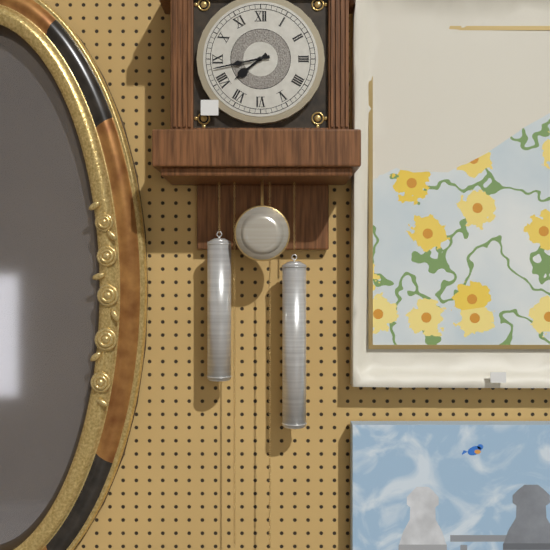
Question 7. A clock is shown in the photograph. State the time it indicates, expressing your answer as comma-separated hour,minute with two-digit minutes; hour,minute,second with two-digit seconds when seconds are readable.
7,43
